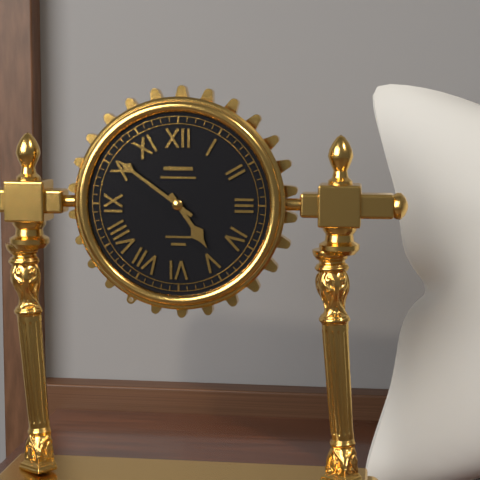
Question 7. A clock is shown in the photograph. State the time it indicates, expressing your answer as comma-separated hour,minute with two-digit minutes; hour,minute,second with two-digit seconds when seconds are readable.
4,51
